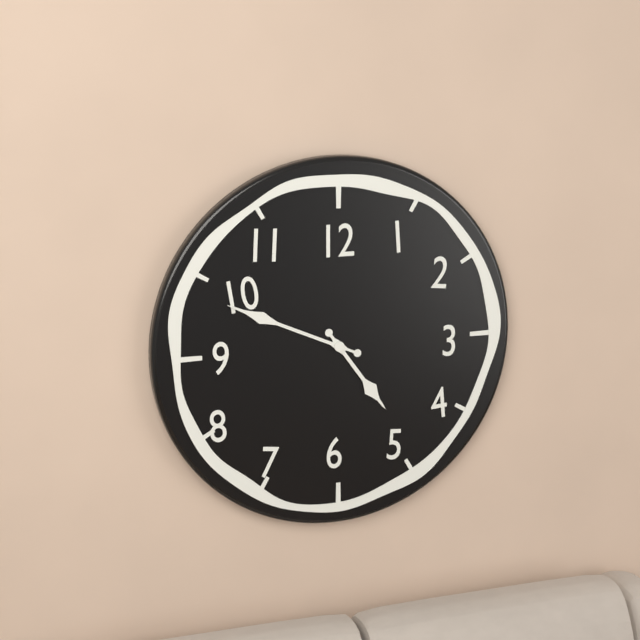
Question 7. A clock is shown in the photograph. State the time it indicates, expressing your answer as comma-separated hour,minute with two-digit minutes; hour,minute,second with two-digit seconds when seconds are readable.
4,49
